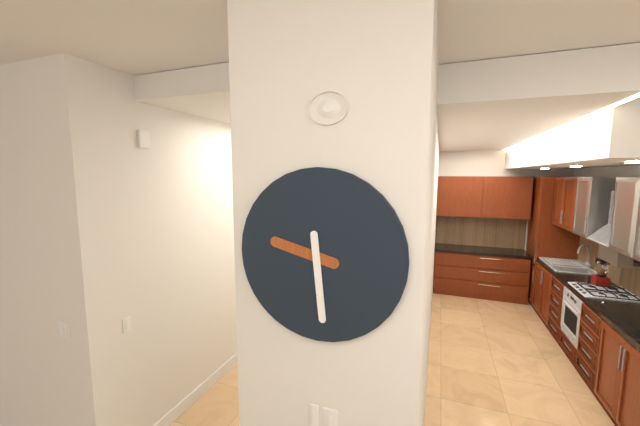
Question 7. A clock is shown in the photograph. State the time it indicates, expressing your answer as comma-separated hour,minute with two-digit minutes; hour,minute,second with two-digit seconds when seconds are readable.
9,29
